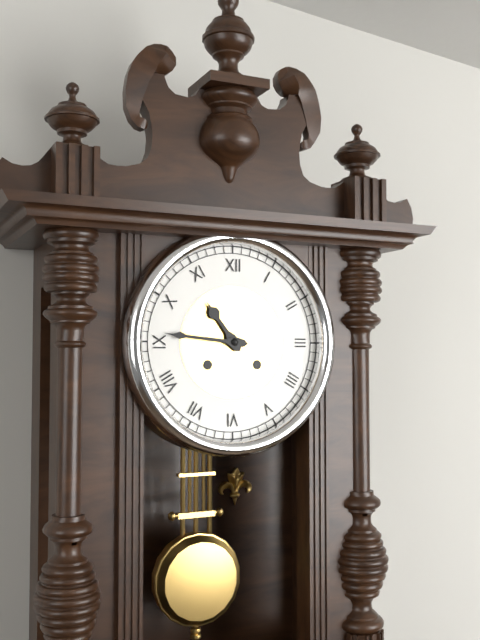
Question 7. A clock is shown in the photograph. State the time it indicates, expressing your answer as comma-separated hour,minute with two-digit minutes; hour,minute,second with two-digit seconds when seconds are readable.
10,46
